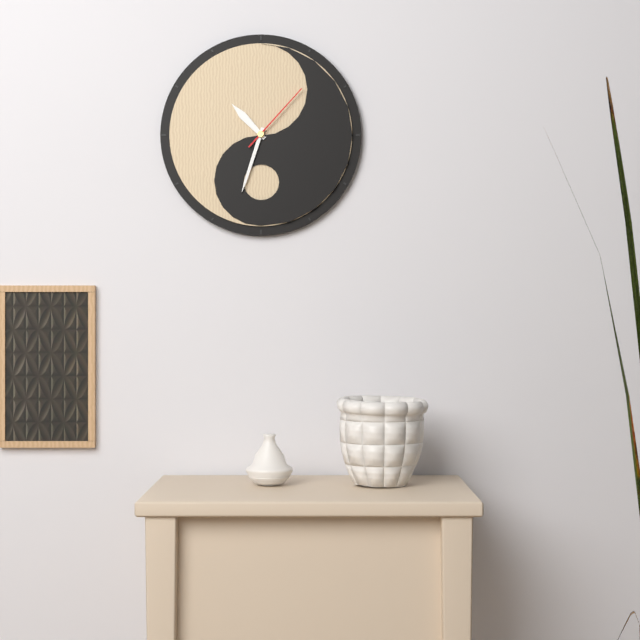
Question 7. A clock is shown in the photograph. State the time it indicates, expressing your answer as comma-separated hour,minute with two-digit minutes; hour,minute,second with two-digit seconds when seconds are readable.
10,33,07
